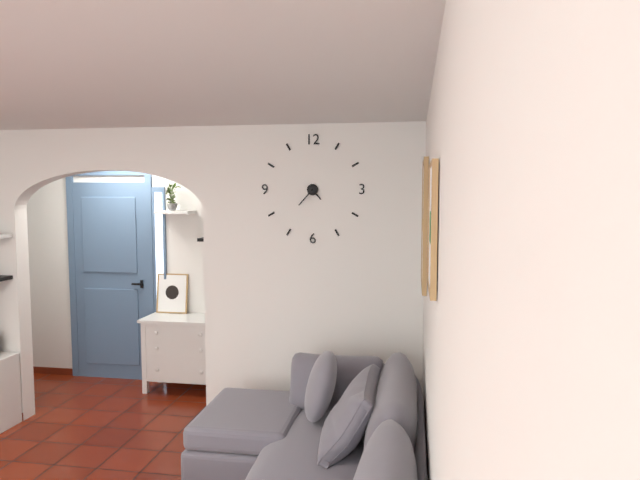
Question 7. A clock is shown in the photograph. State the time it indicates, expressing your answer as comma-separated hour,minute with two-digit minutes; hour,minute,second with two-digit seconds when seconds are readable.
4,37
